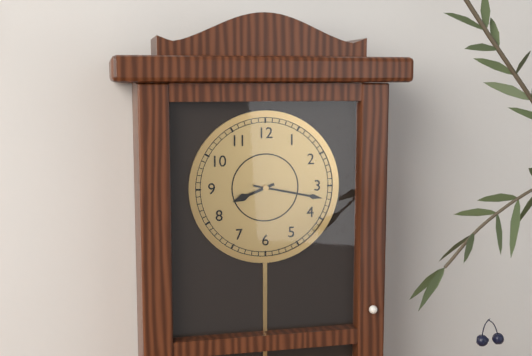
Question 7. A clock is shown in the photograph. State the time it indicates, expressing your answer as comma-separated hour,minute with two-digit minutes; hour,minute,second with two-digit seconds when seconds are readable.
8,17
